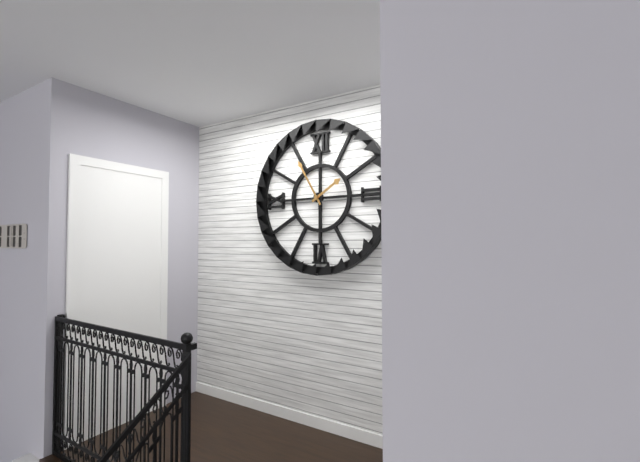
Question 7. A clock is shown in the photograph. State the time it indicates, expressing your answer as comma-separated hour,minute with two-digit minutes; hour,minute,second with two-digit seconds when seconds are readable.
1,55
